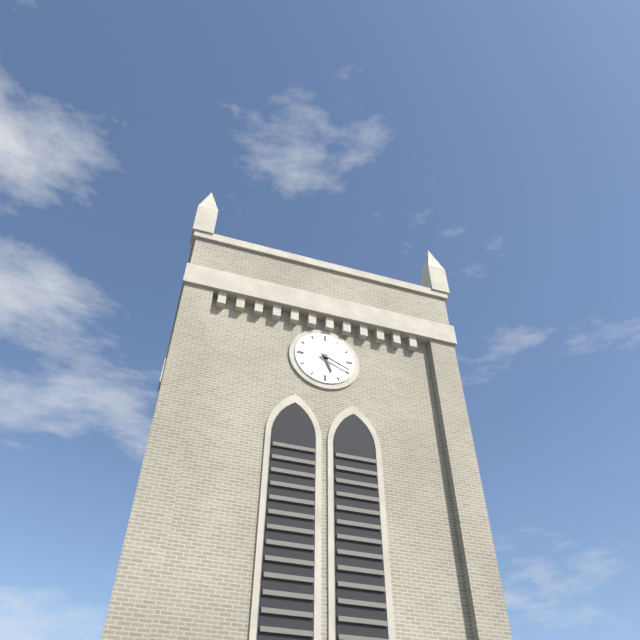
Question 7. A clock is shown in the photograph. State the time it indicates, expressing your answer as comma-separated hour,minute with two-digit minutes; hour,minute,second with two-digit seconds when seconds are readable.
5,19
